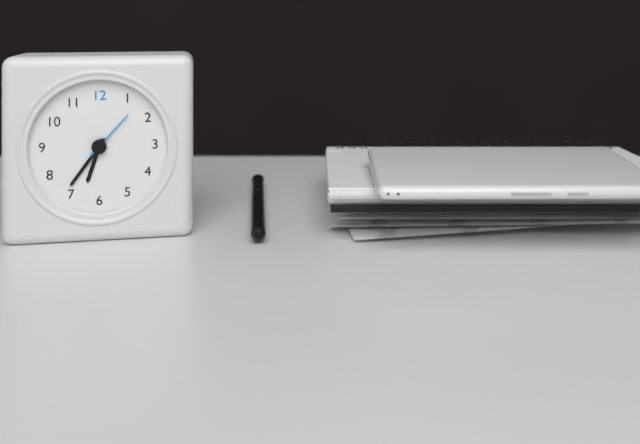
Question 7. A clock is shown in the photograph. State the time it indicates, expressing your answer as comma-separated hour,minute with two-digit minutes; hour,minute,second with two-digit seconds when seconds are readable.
6,36,07
